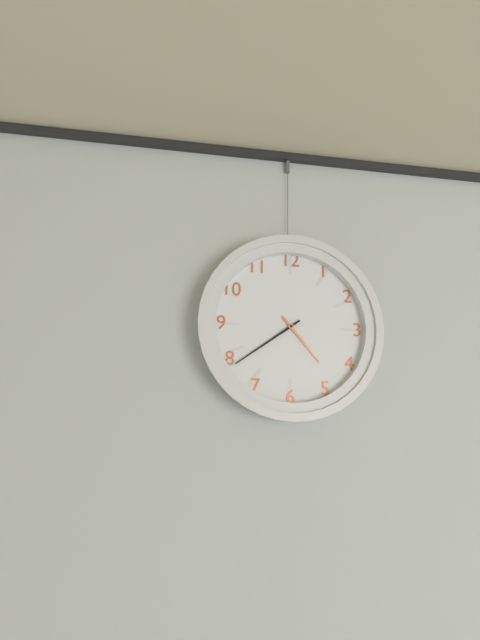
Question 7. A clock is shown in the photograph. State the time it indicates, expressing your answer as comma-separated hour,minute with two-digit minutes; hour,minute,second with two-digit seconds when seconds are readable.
4,39
